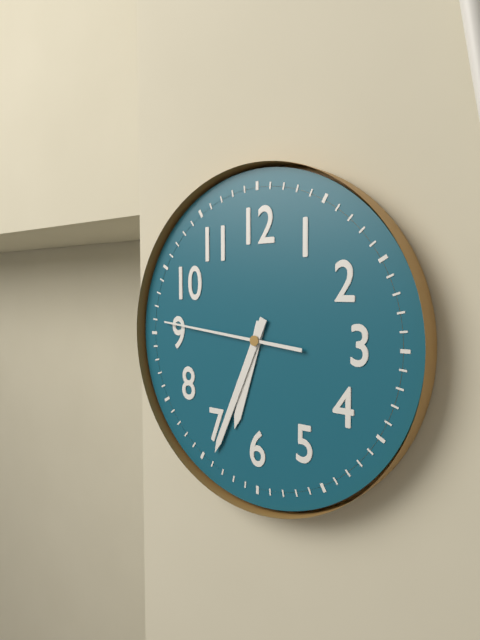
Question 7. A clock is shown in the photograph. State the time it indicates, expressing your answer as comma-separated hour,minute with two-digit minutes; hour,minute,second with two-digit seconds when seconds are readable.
6,34,46
